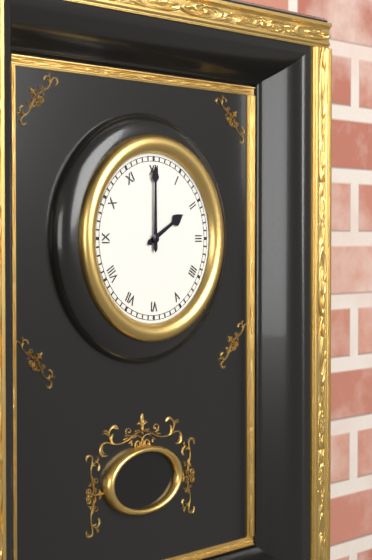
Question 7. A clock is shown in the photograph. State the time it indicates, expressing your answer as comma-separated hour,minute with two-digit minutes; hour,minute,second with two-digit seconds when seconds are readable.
2,00
